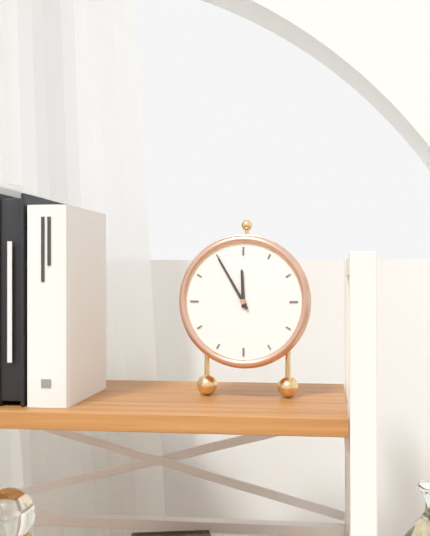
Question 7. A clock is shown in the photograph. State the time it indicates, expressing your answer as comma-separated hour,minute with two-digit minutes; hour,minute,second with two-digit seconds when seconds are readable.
11,55
